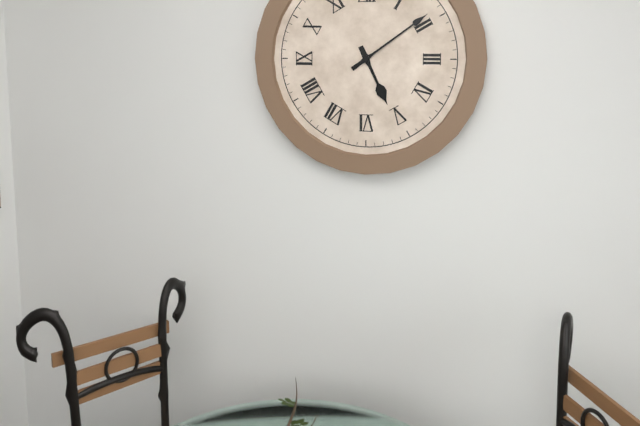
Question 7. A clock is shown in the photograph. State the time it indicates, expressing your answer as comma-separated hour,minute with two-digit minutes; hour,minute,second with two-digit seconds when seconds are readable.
5,09
